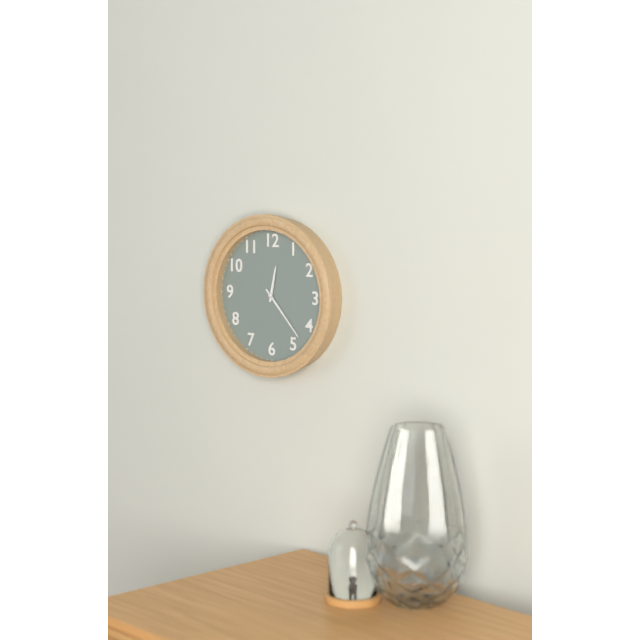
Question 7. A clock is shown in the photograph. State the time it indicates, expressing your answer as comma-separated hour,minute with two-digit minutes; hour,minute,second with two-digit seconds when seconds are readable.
12,23
